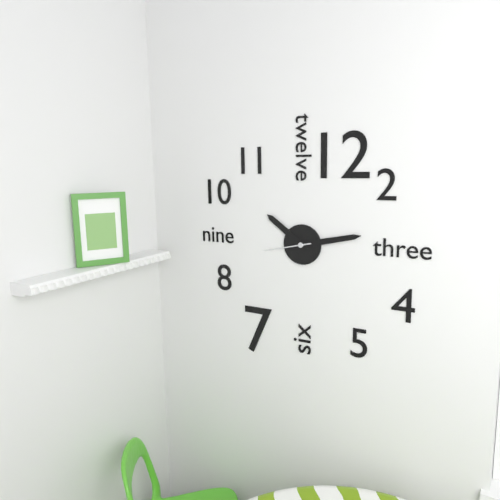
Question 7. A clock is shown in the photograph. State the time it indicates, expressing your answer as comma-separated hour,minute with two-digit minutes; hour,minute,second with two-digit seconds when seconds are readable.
10,13
